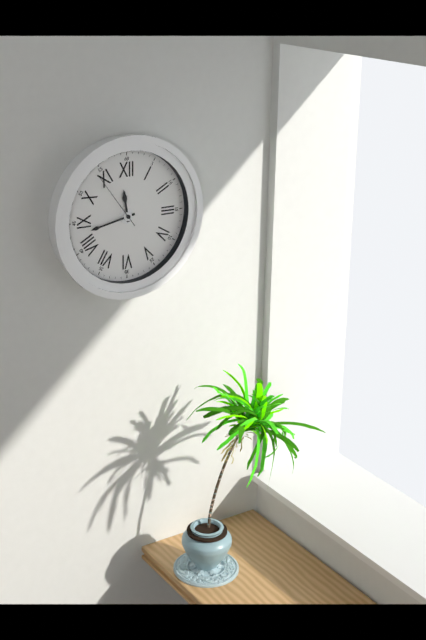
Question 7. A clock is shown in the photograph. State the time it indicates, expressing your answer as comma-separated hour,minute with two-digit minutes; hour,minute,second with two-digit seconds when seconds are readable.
11,43,54
